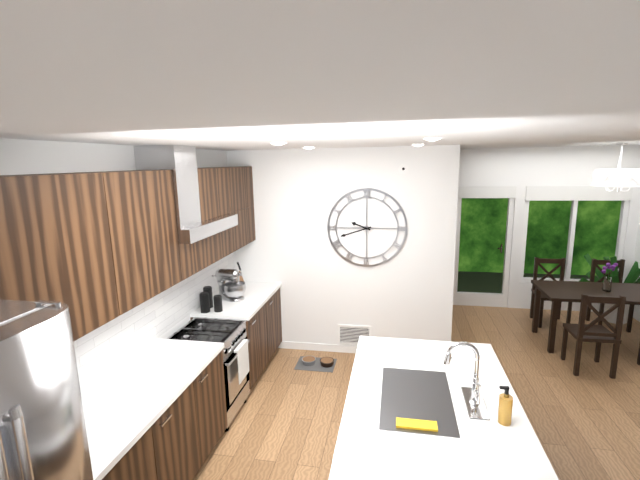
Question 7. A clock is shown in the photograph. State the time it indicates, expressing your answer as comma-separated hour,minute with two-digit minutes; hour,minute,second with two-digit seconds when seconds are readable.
9,42
